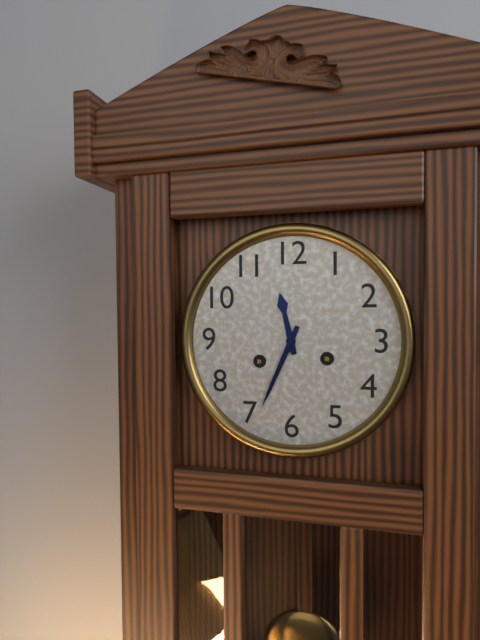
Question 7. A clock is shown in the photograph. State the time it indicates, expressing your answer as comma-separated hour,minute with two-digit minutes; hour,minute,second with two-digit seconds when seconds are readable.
11,34
